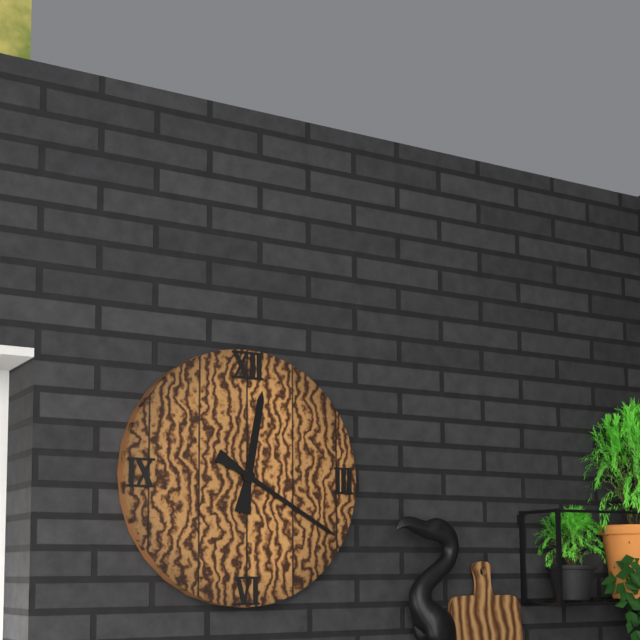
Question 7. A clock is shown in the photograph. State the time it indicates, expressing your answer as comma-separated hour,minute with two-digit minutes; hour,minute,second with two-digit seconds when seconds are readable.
12,20
